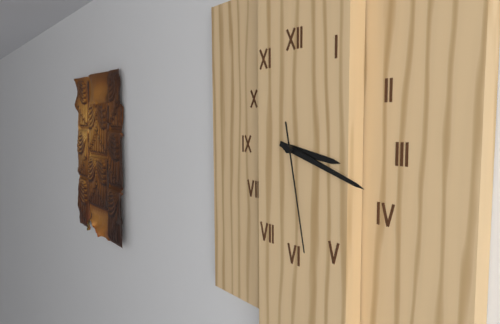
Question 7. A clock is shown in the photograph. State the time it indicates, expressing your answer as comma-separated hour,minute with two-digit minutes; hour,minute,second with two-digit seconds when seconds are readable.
3,18,28
